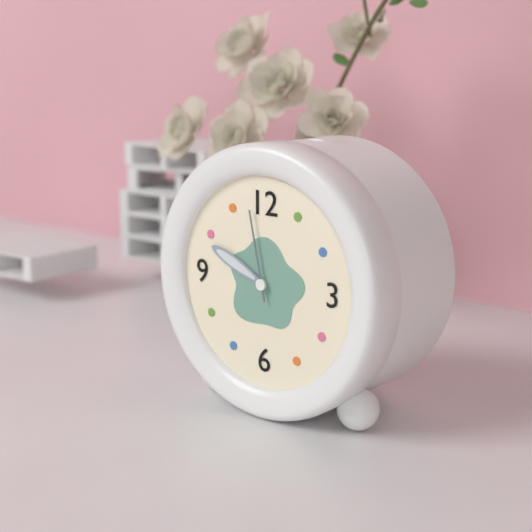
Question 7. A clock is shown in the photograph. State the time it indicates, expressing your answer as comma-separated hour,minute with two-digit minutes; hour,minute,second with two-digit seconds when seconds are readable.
9,49,58
